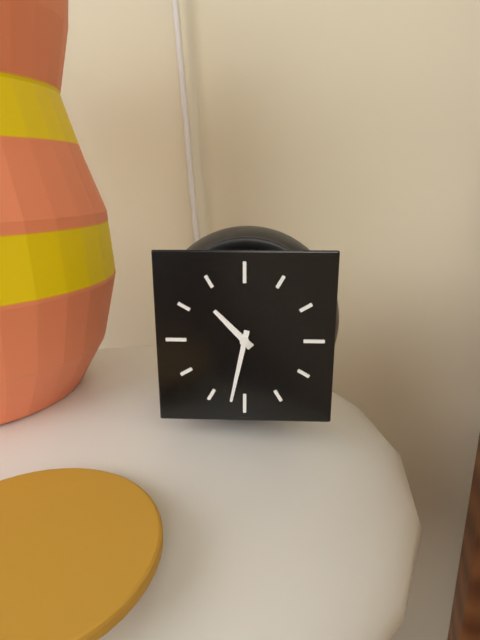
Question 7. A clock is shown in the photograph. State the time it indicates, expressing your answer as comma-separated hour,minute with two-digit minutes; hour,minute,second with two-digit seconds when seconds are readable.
10,32
